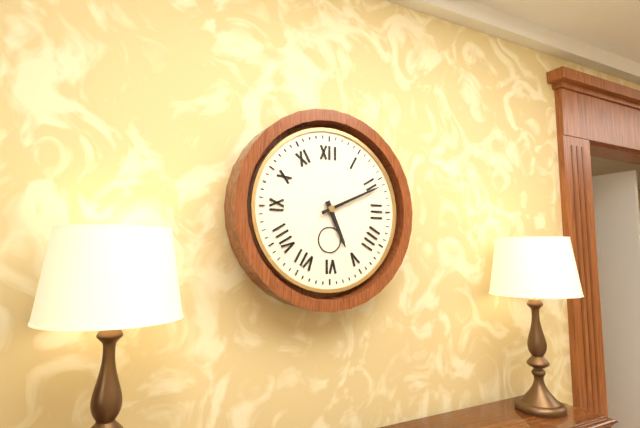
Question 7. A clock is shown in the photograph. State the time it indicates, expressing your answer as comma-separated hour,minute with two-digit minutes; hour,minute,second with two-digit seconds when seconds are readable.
5,11
